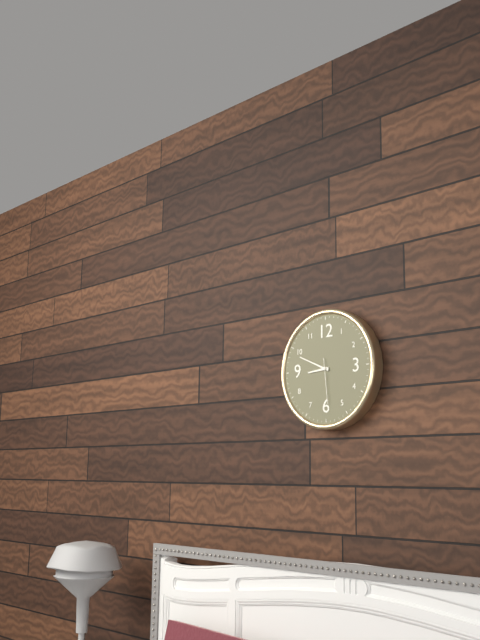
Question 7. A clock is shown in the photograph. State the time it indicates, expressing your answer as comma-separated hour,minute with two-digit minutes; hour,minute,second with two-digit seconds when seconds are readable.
8,49
